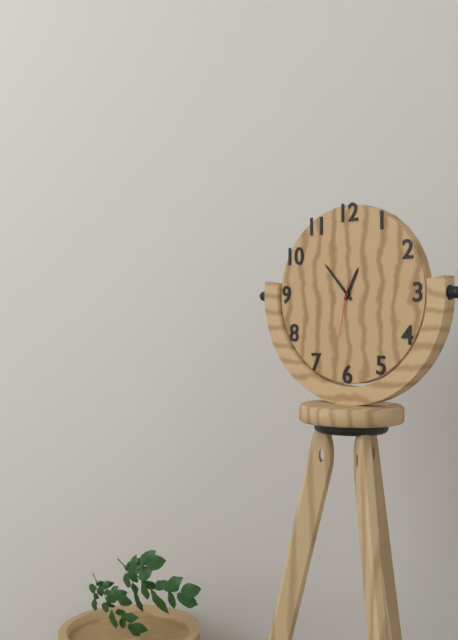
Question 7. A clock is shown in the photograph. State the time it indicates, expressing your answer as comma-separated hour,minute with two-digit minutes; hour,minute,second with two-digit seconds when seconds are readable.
12,53,32
